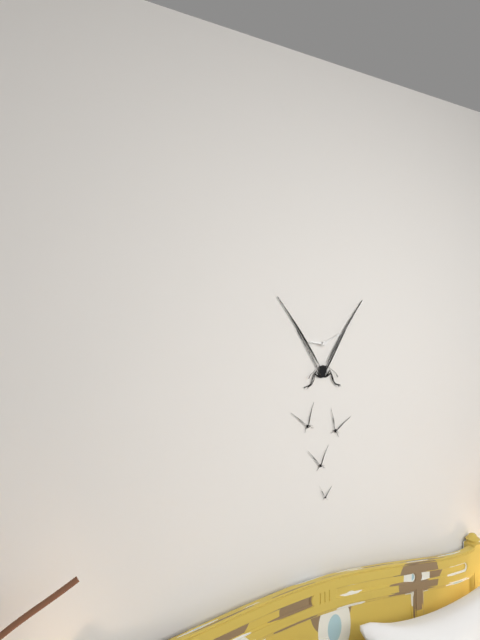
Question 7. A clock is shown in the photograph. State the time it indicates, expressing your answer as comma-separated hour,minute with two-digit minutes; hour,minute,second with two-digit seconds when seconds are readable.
9,11
